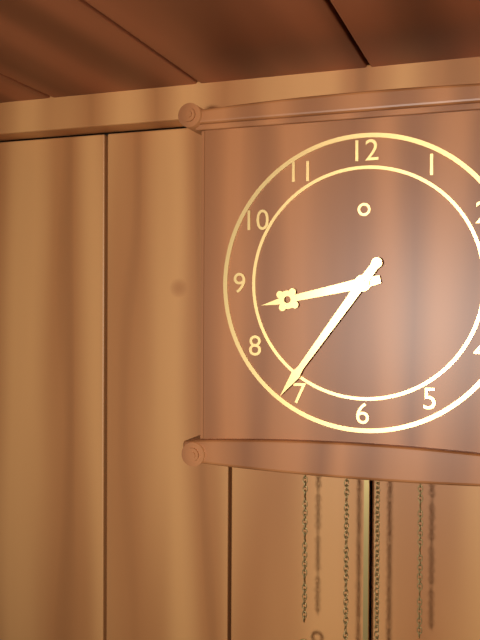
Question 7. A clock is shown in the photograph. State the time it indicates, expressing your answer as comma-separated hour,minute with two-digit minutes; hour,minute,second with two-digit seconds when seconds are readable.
8,36
